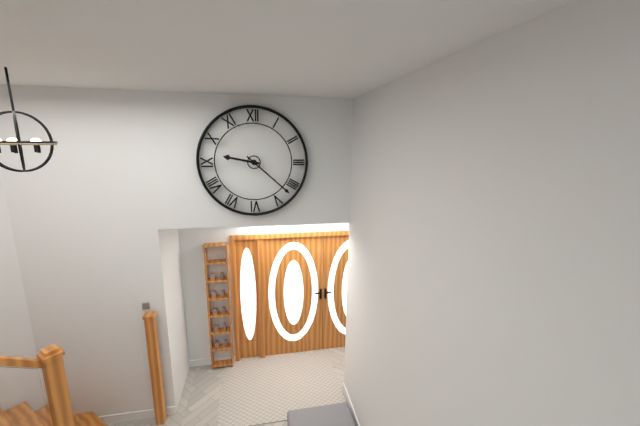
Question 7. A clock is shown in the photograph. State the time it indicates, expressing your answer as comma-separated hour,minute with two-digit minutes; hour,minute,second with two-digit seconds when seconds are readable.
9,22
